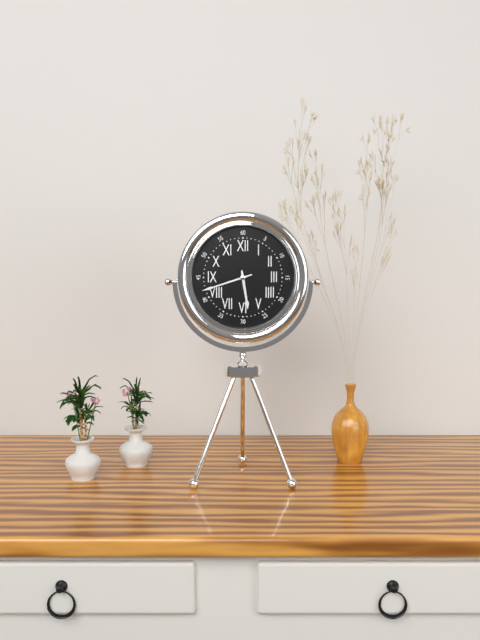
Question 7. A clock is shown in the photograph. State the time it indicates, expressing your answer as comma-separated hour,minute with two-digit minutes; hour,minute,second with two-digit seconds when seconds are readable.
5,42
